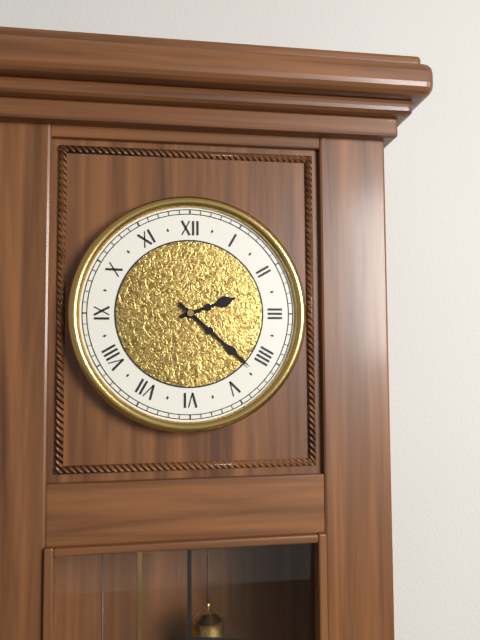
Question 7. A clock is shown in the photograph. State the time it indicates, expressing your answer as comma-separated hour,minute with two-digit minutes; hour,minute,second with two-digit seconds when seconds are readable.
2,22
